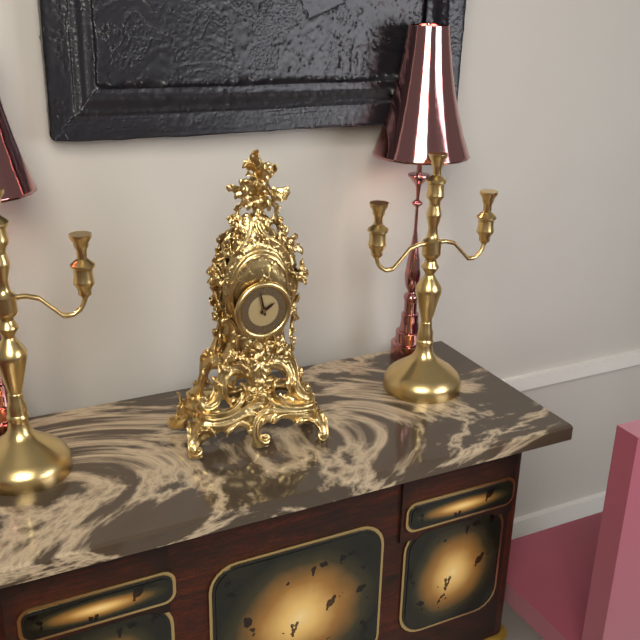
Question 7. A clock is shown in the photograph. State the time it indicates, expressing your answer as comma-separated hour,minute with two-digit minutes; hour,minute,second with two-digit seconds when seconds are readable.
1,58
